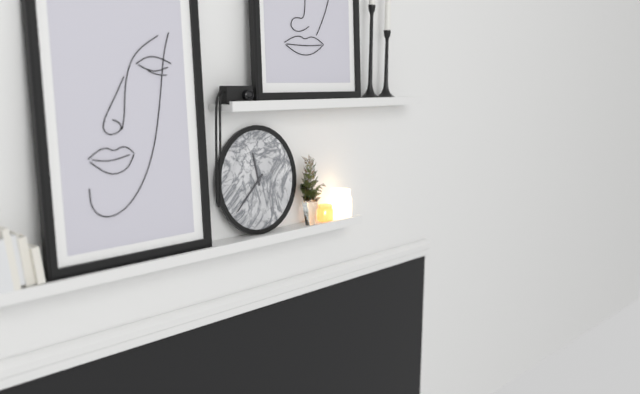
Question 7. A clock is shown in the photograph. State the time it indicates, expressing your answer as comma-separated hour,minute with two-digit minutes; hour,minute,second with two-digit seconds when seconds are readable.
11,38
